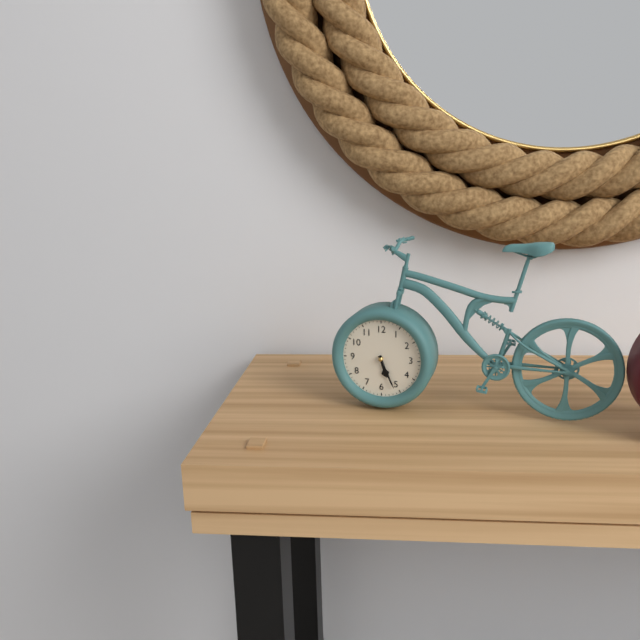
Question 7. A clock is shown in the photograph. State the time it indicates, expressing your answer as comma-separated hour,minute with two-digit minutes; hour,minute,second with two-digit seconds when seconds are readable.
5,26
